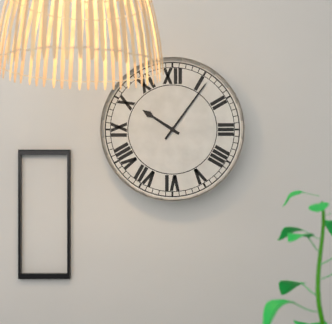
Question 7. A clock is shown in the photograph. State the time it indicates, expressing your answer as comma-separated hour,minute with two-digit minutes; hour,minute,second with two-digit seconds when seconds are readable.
10,06
